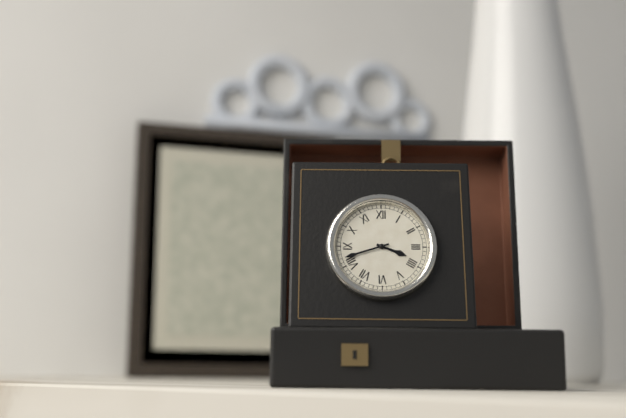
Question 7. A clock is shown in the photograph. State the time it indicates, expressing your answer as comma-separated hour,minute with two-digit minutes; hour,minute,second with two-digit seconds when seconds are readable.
3,42
